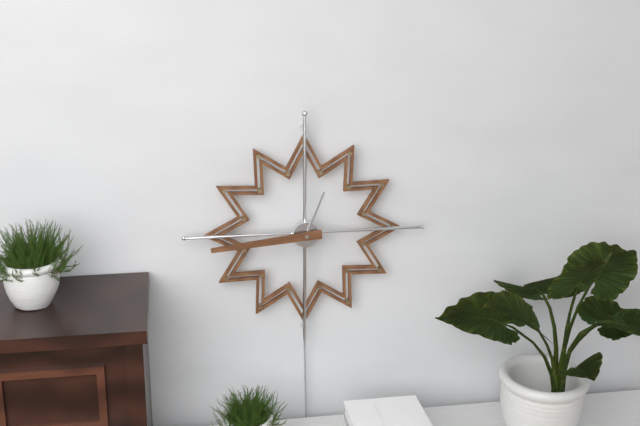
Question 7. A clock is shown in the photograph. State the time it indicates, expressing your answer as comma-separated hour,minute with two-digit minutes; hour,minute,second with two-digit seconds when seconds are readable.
12,44
